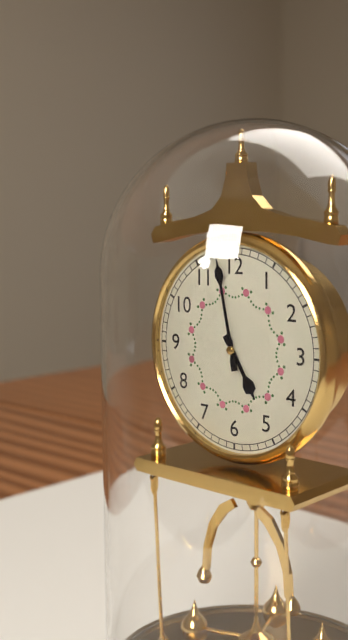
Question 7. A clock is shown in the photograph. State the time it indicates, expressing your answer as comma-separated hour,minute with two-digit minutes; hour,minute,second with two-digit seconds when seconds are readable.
4,58
